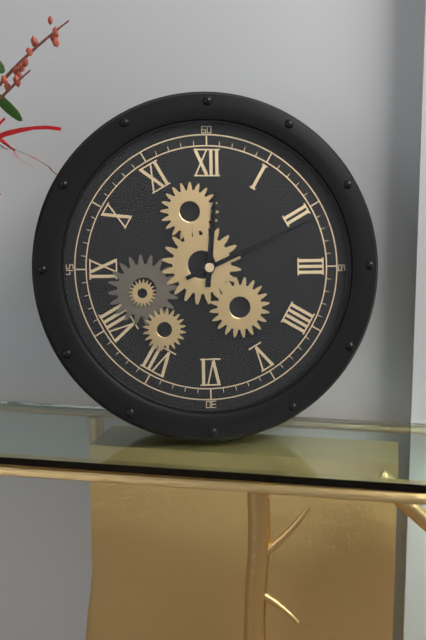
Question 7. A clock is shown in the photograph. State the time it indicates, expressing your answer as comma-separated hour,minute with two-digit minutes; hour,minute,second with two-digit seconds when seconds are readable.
12,11
